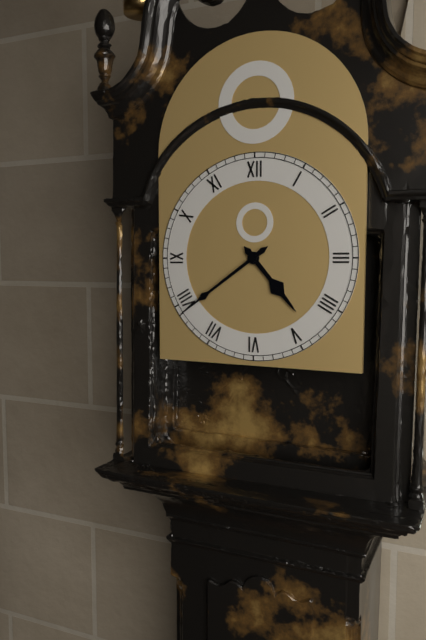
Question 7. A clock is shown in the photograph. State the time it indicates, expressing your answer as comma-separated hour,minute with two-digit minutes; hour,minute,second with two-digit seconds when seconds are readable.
4,39
